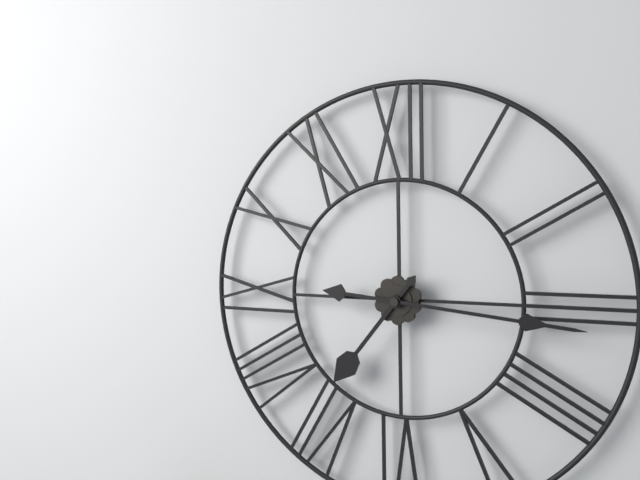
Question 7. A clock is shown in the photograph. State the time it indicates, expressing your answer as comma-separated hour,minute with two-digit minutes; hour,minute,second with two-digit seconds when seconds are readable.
7,16
